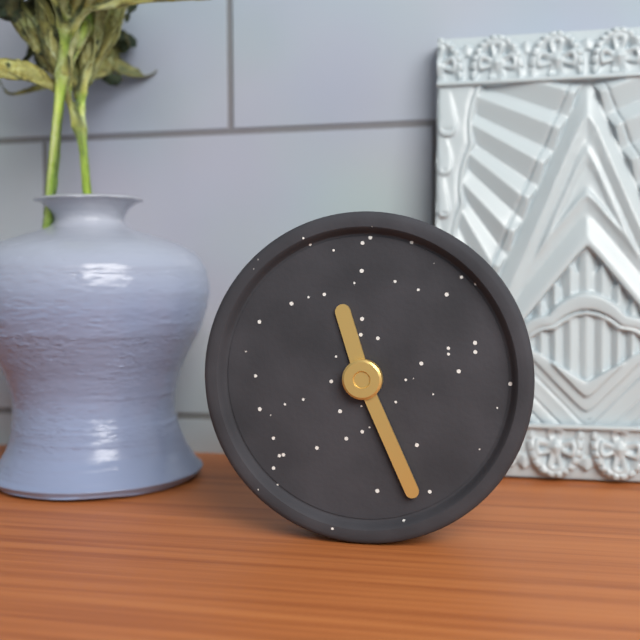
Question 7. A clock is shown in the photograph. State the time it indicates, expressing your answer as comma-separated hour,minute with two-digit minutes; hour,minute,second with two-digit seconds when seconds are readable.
11,26
